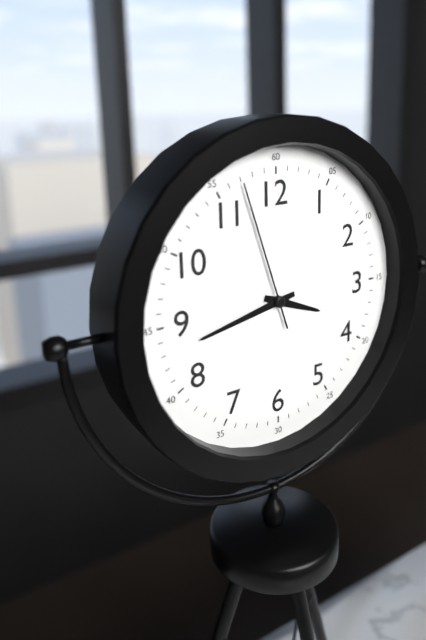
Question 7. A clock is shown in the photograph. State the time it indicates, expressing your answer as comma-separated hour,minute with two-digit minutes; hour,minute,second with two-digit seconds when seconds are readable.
3,43,57
